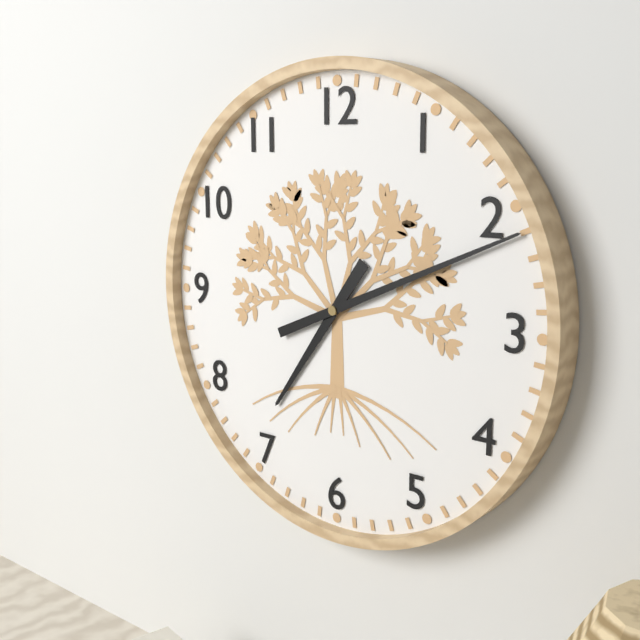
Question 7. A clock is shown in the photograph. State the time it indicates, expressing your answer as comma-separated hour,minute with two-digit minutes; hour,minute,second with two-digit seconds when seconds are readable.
7,11
